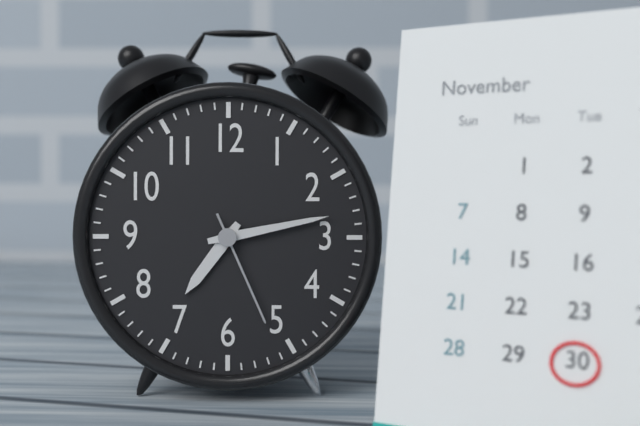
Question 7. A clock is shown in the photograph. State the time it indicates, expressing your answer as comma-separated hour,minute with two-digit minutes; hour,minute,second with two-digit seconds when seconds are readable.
7,13,26
